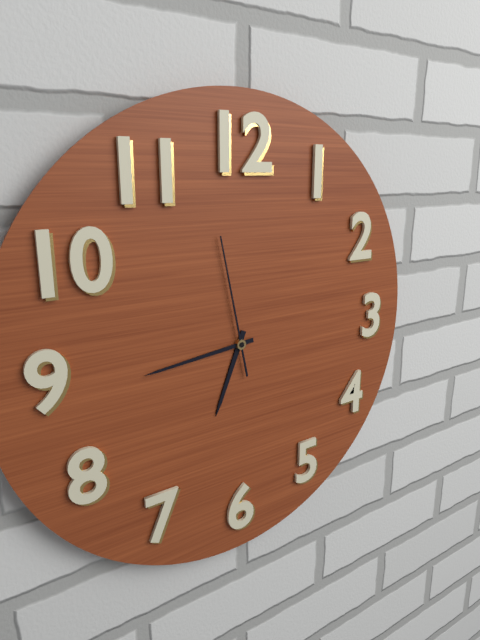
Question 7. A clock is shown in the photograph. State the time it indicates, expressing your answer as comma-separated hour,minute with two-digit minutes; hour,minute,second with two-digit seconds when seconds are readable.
6,44,58
